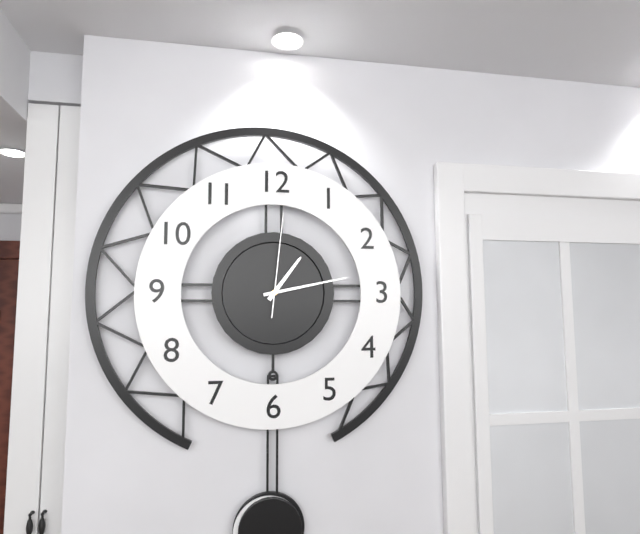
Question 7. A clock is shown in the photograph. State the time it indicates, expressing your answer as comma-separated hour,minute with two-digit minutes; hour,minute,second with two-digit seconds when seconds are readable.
1,13,01
